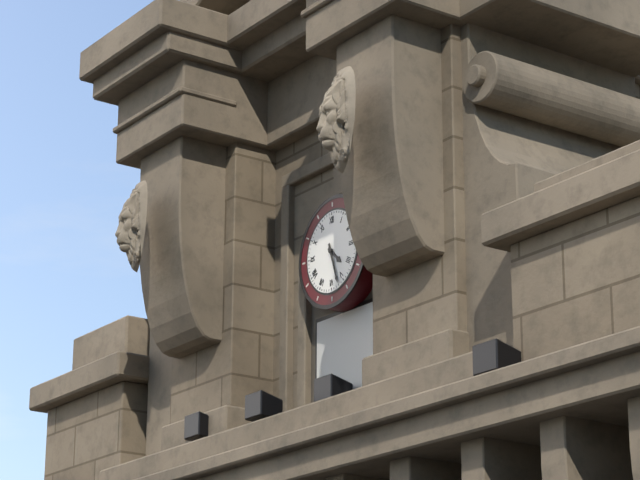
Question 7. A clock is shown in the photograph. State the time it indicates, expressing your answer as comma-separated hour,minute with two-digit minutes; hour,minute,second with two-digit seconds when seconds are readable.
4,27
